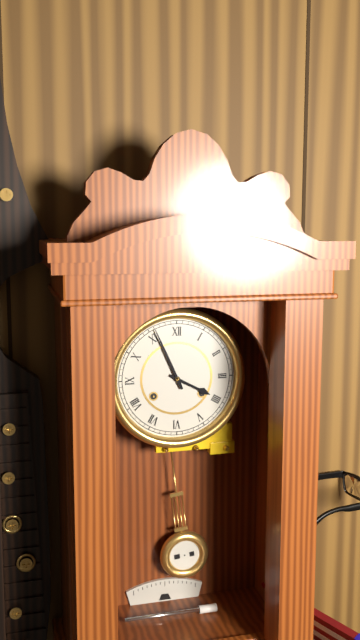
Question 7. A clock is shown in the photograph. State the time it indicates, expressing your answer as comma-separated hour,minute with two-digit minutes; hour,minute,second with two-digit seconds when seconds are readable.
3,56
